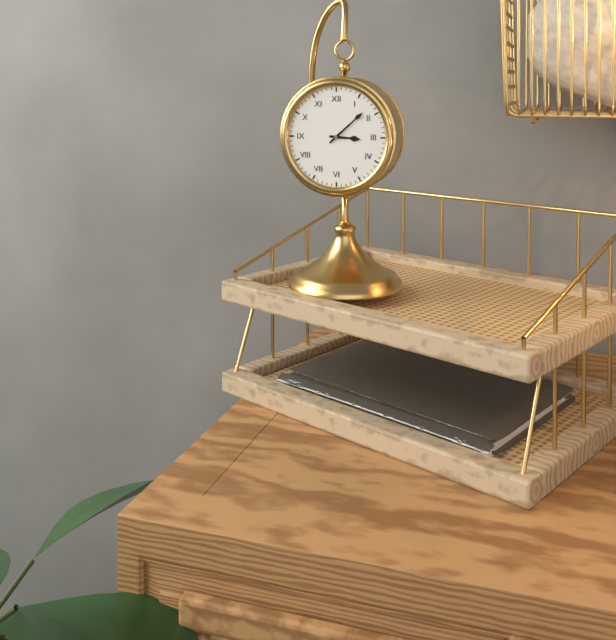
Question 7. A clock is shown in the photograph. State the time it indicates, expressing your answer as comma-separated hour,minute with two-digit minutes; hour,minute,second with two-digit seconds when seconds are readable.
3,08
